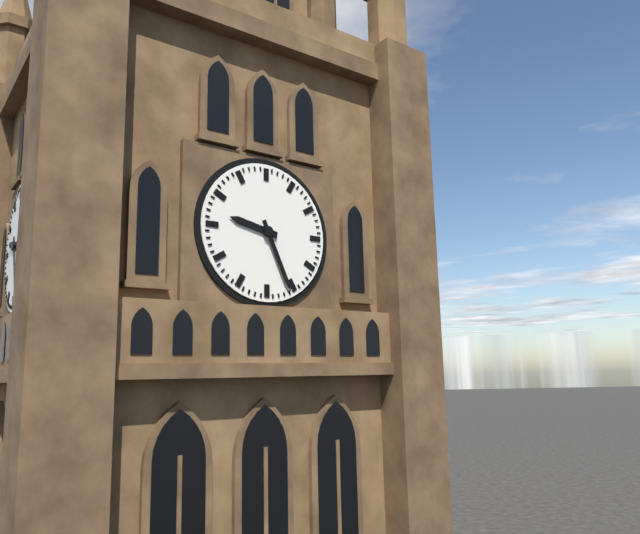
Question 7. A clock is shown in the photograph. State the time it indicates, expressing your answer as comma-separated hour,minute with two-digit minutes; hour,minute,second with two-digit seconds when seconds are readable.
9,26
